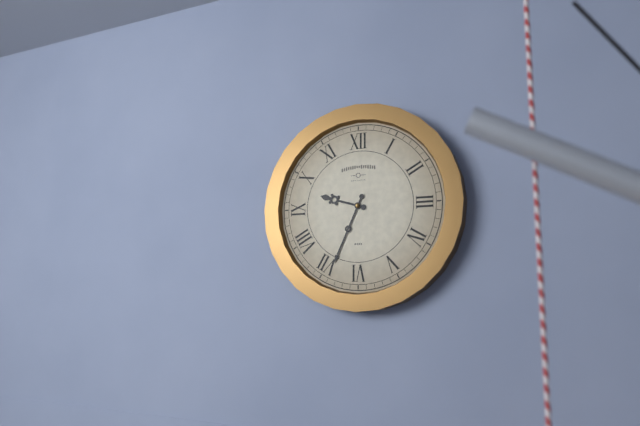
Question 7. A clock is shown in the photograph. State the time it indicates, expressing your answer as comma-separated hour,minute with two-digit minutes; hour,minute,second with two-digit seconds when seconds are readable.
9,34
